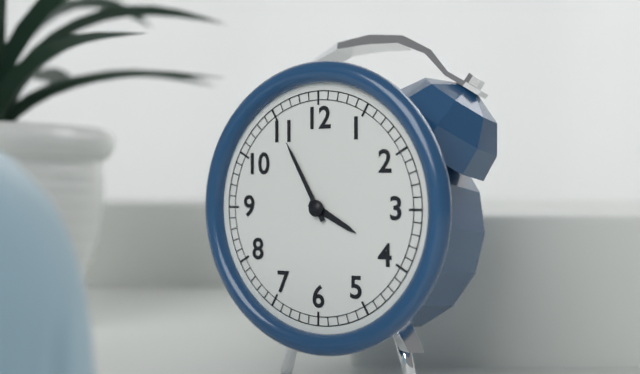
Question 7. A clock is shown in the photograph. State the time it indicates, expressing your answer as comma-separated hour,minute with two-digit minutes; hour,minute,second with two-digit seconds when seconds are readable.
3,55
